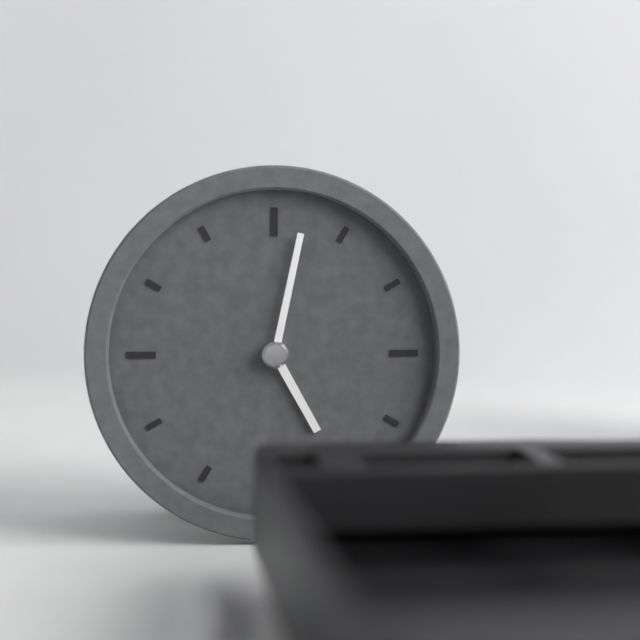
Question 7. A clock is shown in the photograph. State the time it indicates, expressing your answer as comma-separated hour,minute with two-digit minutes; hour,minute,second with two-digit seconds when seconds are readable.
5,02
